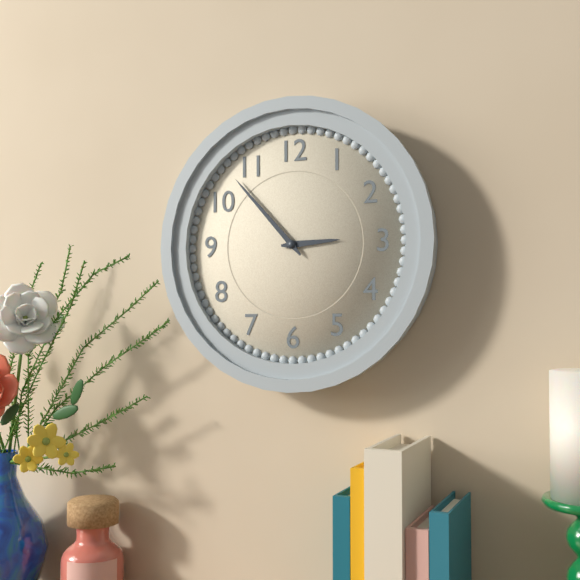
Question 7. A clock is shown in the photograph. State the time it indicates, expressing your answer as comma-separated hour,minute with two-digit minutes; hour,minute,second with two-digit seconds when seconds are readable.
2,53
